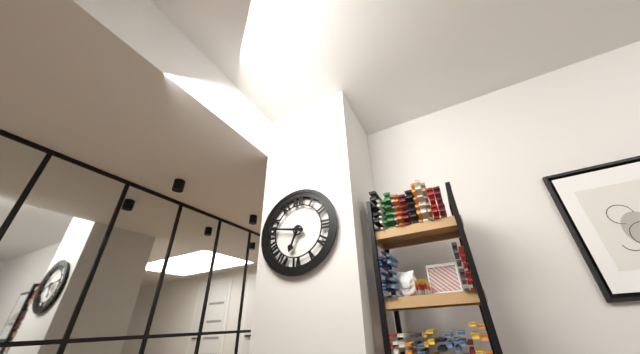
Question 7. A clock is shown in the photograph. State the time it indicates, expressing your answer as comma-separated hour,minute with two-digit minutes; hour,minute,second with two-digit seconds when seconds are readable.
6,47
